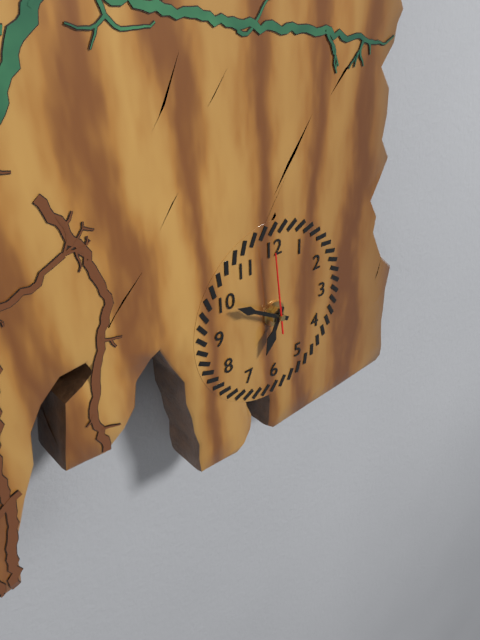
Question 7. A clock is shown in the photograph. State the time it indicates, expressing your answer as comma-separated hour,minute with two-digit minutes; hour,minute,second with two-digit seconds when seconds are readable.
6,50,59
